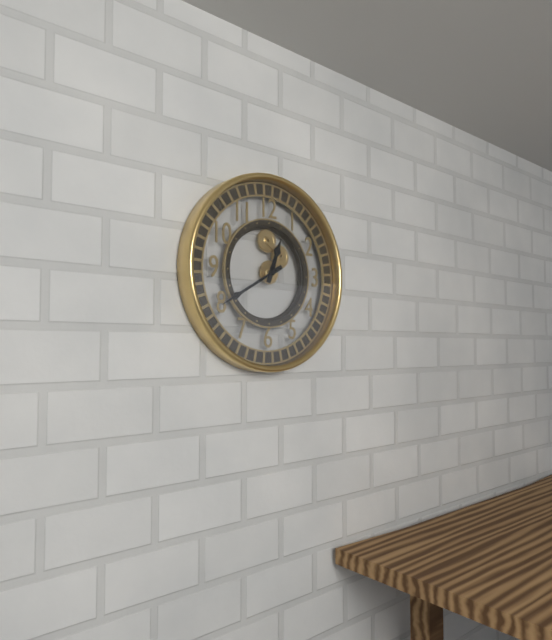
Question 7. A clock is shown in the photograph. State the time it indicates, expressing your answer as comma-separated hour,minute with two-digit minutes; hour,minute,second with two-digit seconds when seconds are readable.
12,40
